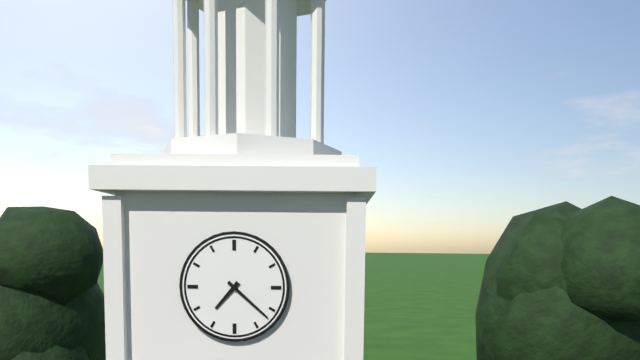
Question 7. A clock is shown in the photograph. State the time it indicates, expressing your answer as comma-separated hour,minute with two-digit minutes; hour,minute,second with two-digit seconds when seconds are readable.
7,22
